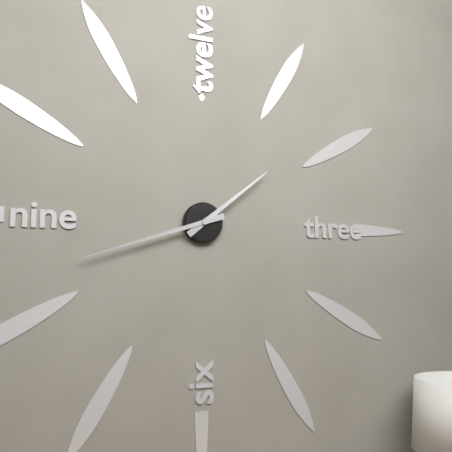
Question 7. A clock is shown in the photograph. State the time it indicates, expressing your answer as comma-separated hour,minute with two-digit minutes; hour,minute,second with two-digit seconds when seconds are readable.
1,42
